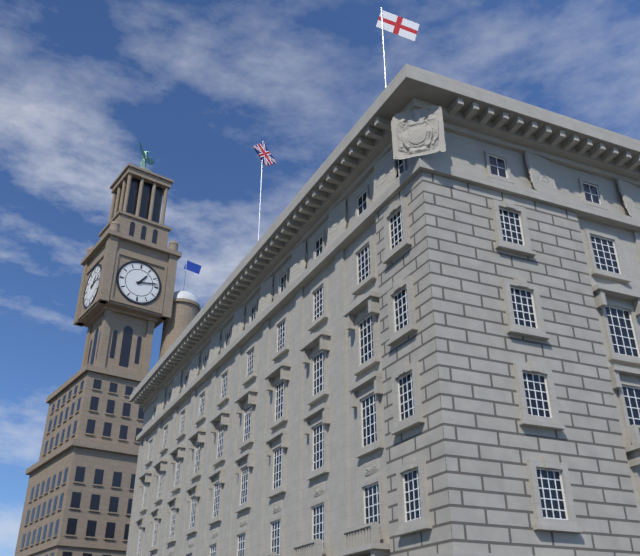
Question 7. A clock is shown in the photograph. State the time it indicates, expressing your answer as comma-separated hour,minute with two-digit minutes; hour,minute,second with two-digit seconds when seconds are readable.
1,13
